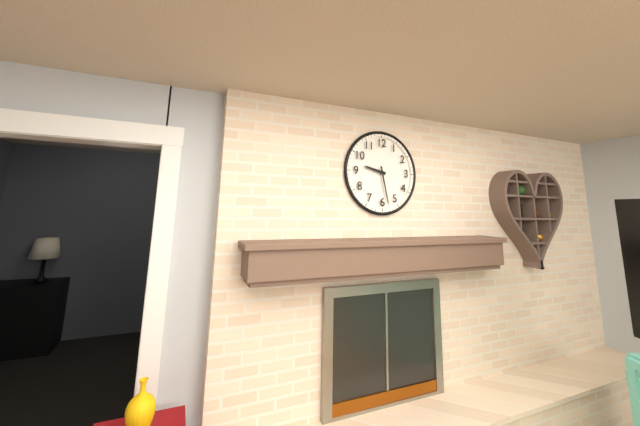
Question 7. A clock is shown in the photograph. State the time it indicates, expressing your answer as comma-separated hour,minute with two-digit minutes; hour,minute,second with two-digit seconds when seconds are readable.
9,28
